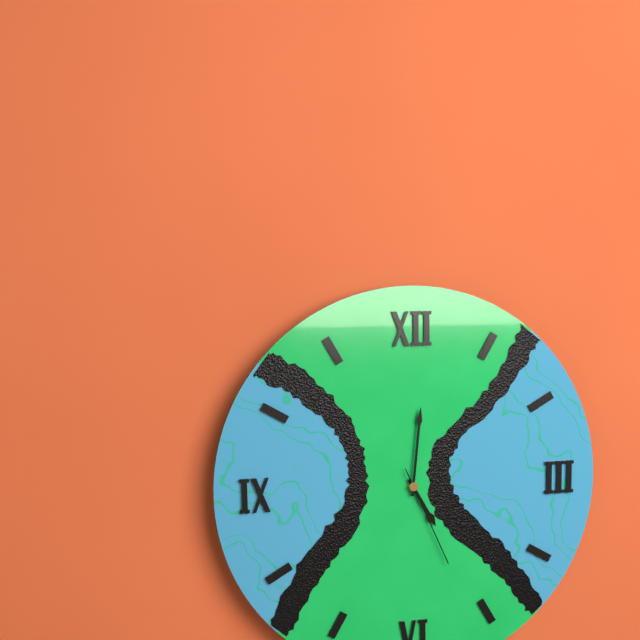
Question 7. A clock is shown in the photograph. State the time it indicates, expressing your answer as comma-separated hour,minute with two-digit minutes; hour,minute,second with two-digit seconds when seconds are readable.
5,01,26
